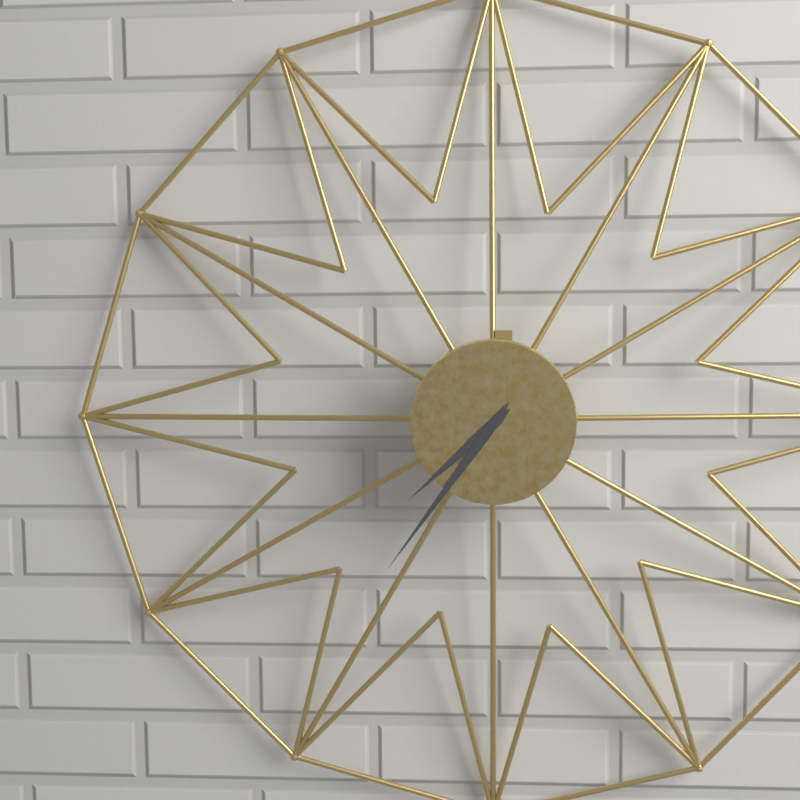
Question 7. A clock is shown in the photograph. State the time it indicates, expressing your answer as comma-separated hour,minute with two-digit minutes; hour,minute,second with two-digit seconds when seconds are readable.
7,36
